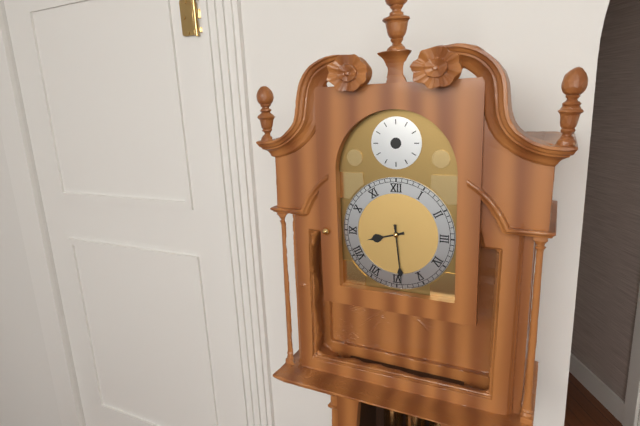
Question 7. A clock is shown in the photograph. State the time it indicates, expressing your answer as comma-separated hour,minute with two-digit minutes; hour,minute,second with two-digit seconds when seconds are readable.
8,29
